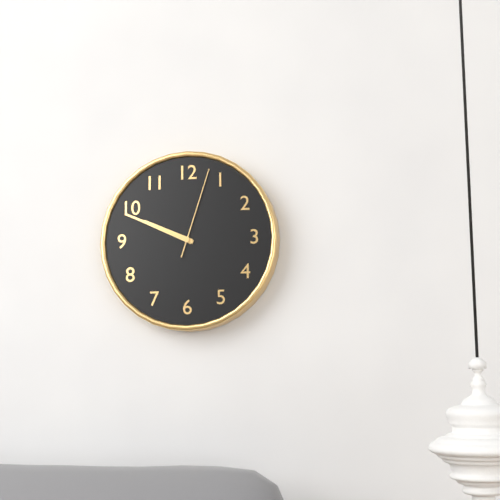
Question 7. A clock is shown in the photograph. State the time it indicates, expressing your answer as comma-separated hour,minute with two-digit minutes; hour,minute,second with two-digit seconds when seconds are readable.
9,49,03
